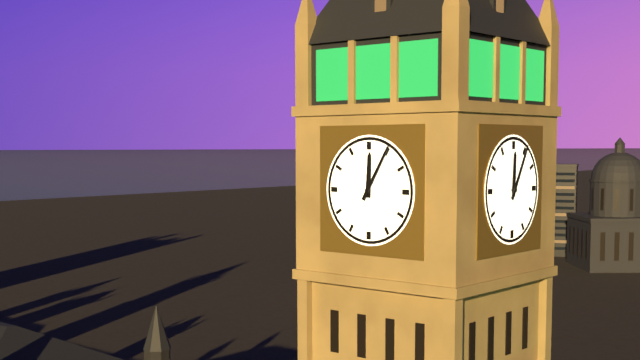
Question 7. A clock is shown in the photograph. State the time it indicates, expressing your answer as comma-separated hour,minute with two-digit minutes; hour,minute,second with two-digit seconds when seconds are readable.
12,05
